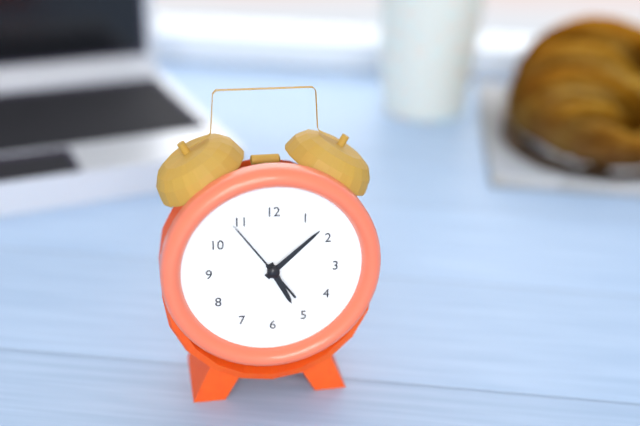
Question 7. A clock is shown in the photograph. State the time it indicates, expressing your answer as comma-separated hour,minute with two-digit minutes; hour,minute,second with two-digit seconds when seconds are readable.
5,08,54
